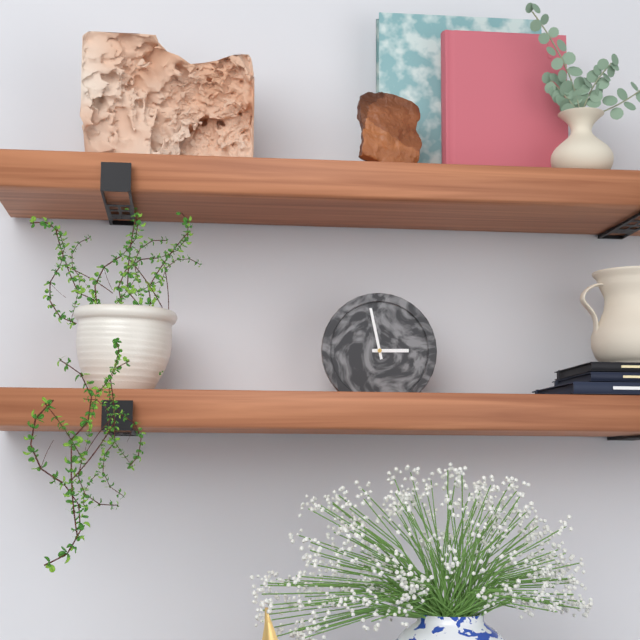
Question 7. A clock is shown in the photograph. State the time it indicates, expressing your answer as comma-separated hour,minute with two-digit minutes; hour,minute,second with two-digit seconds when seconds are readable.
2,58
